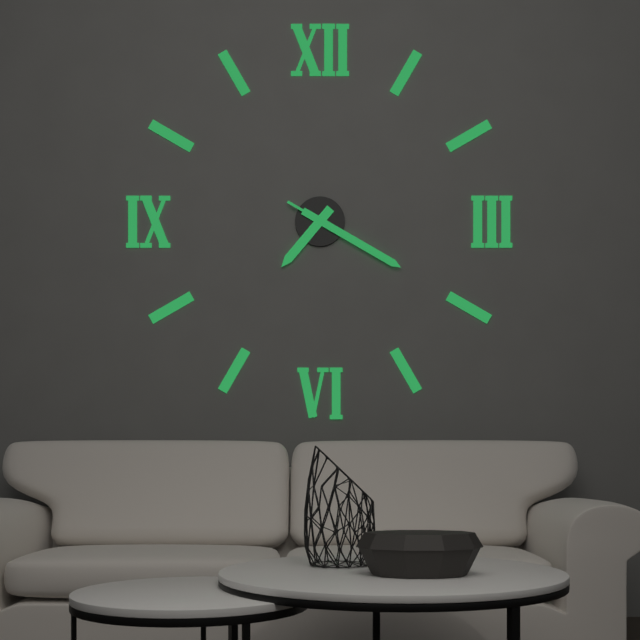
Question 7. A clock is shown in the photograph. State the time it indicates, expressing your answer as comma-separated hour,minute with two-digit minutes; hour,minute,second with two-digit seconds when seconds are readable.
7,20,20
